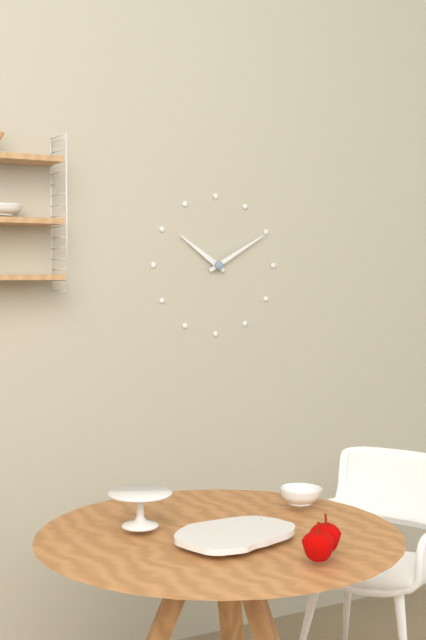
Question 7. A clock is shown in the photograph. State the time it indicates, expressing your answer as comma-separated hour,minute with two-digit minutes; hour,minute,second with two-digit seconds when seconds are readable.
10,10
